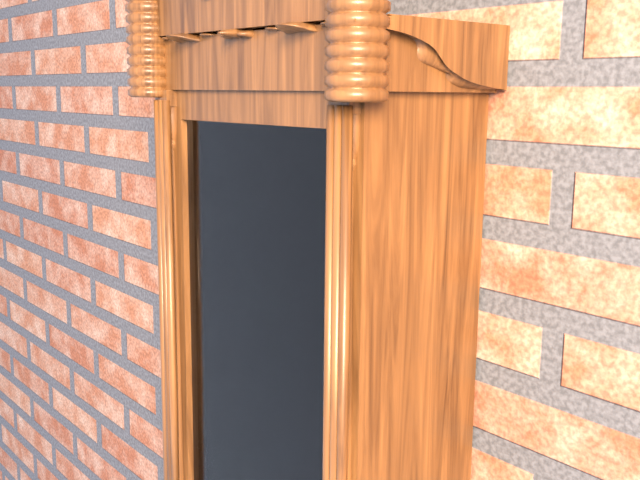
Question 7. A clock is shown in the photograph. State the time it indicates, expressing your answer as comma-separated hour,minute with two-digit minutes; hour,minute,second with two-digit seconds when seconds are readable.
6,45
